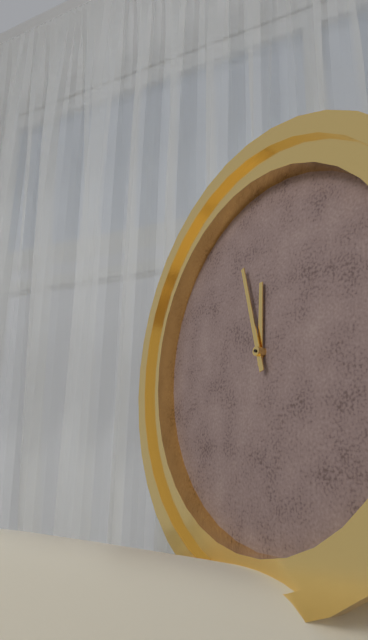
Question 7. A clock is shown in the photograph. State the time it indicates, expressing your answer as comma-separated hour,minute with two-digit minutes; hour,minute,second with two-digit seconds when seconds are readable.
11,57
